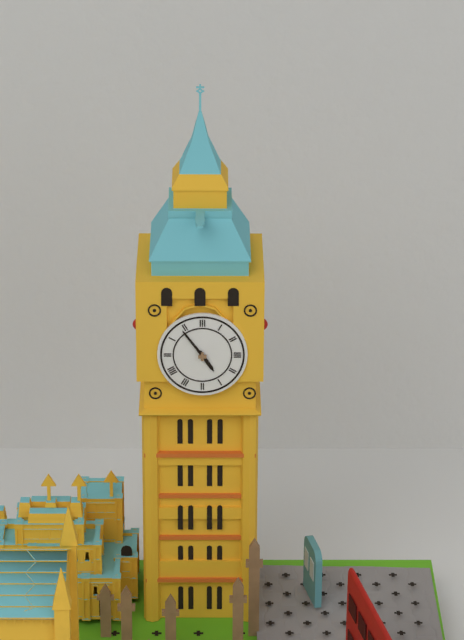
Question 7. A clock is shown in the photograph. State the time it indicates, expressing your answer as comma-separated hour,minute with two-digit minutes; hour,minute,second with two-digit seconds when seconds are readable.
4,54
